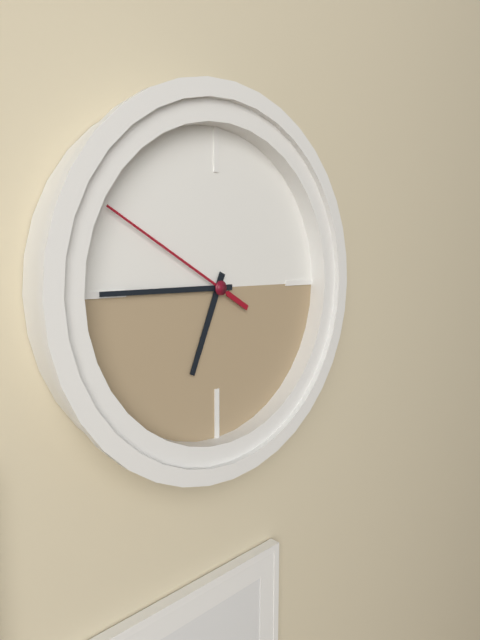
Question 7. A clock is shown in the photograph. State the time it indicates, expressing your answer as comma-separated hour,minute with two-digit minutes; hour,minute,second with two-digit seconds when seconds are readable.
6,45,50
